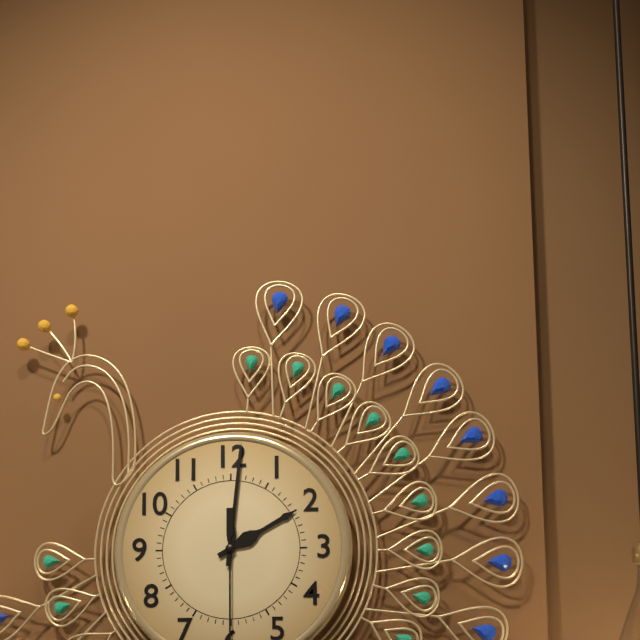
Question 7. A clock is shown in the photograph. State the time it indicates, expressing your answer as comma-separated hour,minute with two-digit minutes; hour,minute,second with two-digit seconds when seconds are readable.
2,01
